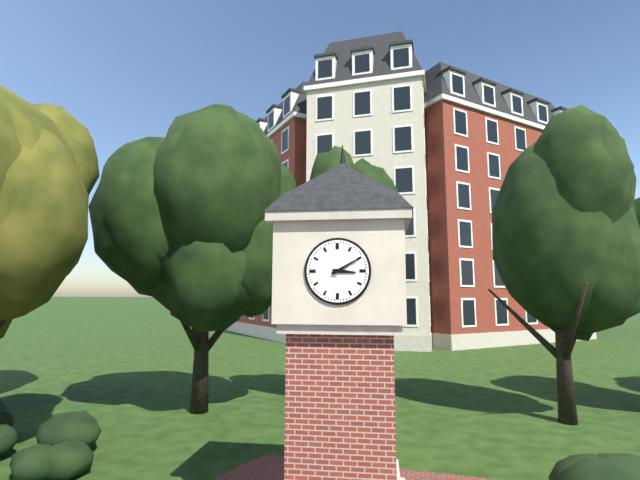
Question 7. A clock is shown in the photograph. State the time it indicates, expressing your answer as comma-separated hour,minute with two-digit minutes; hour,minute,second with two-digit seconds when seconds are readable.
3,10
